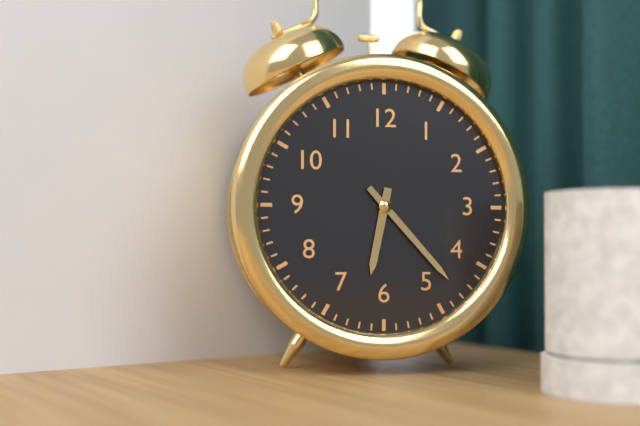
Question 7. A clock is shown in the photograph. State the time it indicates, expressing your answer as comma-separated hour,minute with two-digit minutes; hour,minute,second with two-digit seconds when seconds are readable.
6,23
